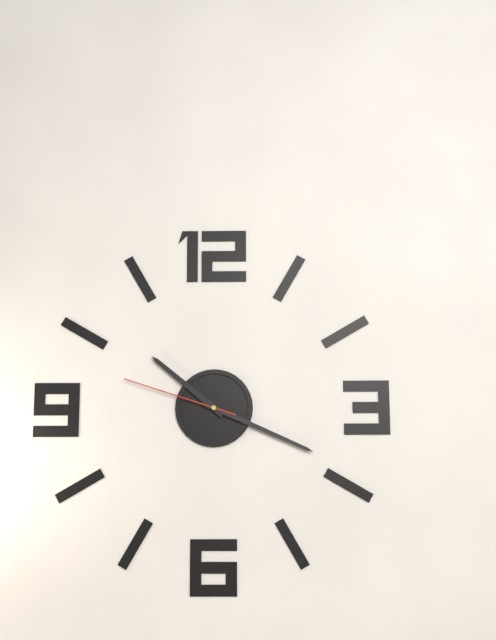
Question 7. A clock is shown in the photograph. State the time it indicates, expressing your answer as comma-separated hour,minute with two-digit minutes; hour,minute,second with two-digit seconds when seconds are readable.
10,19,48
